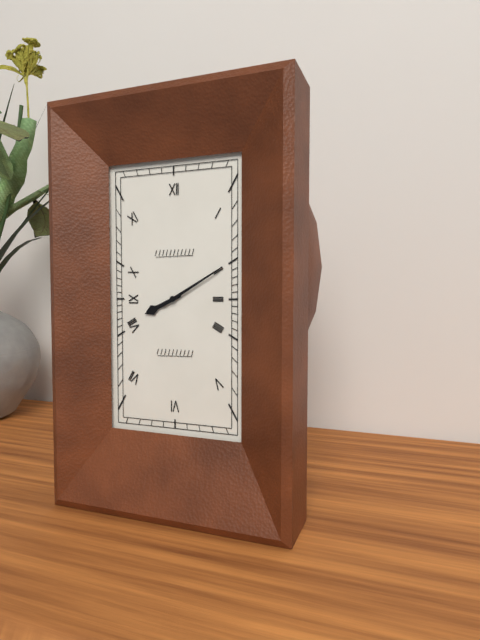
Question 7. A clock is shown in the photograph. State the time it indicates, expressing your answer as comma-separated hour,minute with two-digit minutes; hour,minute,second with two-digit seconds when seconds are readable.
8,10
